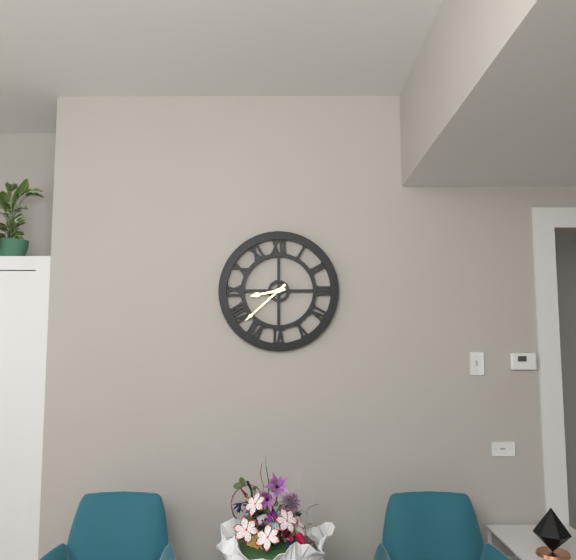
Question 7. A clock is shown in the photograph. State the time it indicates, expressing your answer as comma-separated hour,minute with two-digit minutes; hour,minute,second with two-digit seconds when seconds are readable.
8,38
